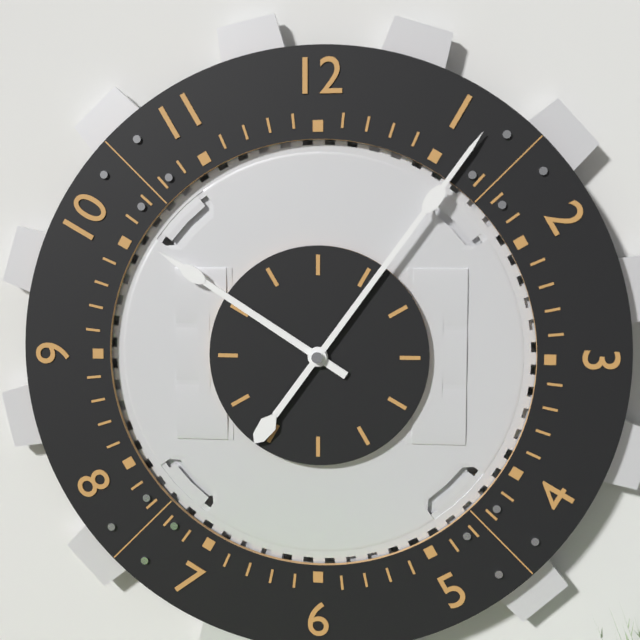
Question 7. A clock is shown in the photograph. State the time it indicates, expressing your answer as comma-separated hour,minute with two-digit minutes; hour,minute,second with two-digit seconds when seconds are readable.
10,06
